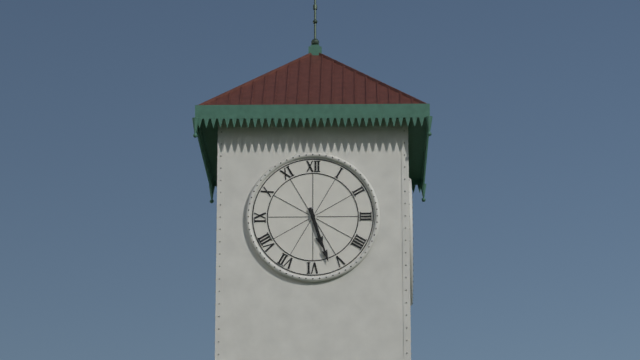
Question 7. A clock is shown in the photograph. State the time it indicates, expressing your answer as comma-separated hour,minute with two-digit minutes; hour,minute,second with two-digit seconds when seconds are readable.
5,27
